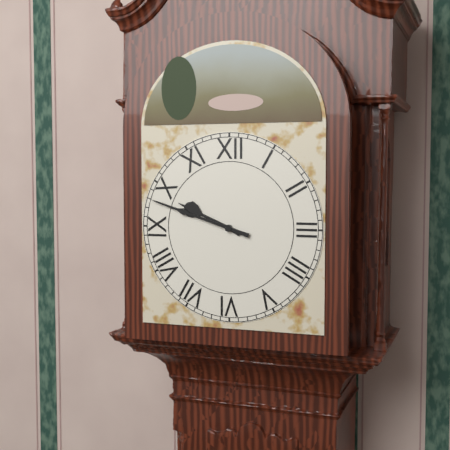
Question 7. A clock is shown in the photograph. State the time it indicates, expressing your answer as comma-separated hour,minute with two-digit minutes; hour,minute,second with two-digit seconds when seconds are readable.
9,48
